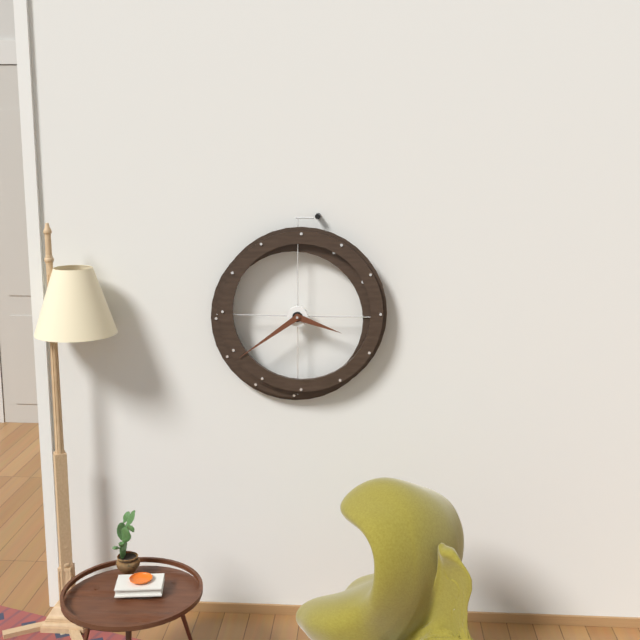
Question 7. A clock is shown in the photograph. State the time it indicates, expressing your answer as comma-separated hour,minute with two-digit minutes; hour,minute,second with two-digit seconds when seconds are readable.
3,39
